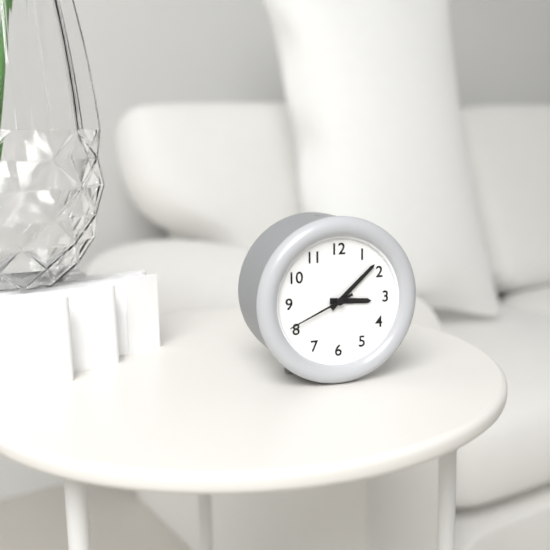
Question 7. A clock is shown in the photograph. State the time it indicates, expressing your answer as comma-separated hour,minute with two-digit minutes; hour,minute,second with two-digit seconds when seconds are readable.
3,08,41
